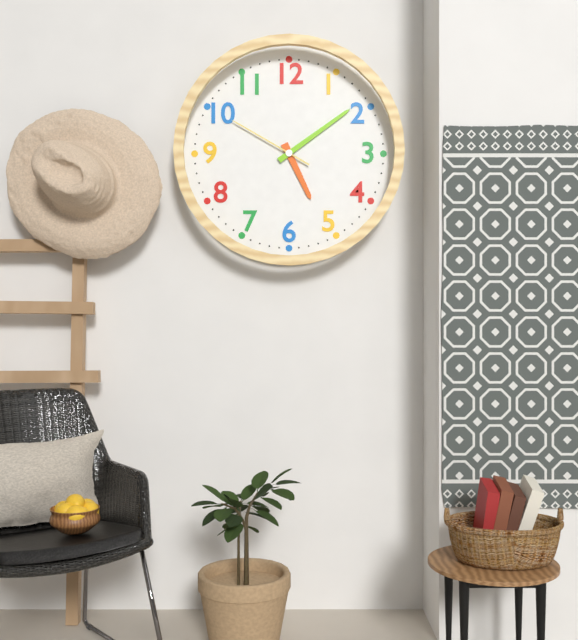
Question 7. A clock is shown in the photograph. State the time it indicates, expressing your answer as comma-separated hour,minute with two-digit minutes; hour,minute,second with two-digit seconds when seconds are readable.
5,09,50
